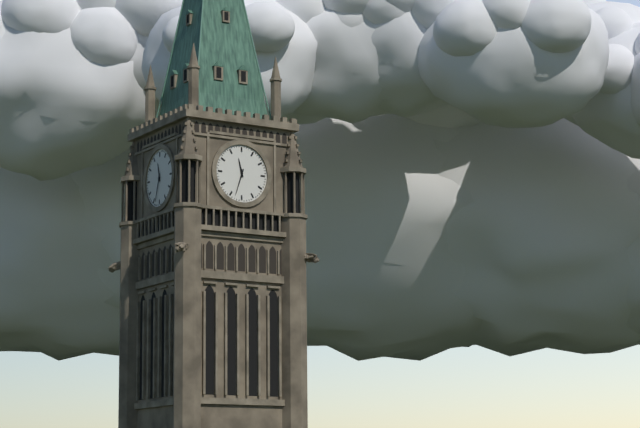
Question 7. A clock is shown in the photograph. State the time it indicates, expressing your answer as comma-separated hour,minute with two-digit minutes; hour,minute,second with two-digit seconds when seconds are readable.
11,33
